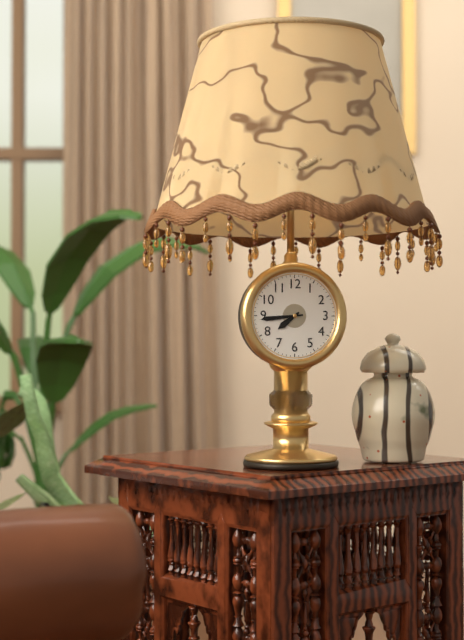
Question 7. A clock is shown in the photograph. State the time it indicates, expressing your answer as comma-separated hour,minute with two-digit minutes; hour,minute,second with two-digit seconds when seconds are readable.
7,44
